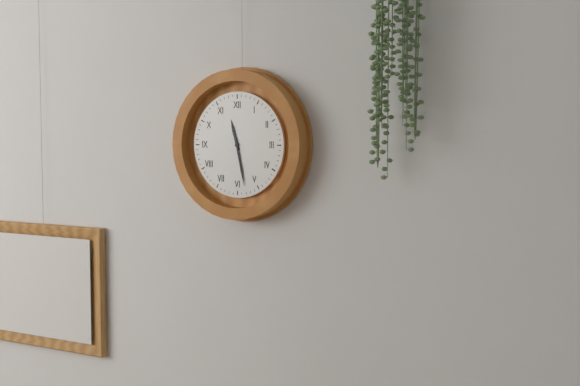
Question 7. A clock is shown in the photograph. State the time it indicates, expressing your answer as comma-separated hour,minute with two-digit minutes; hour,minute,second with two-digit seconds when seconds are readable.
11,28
